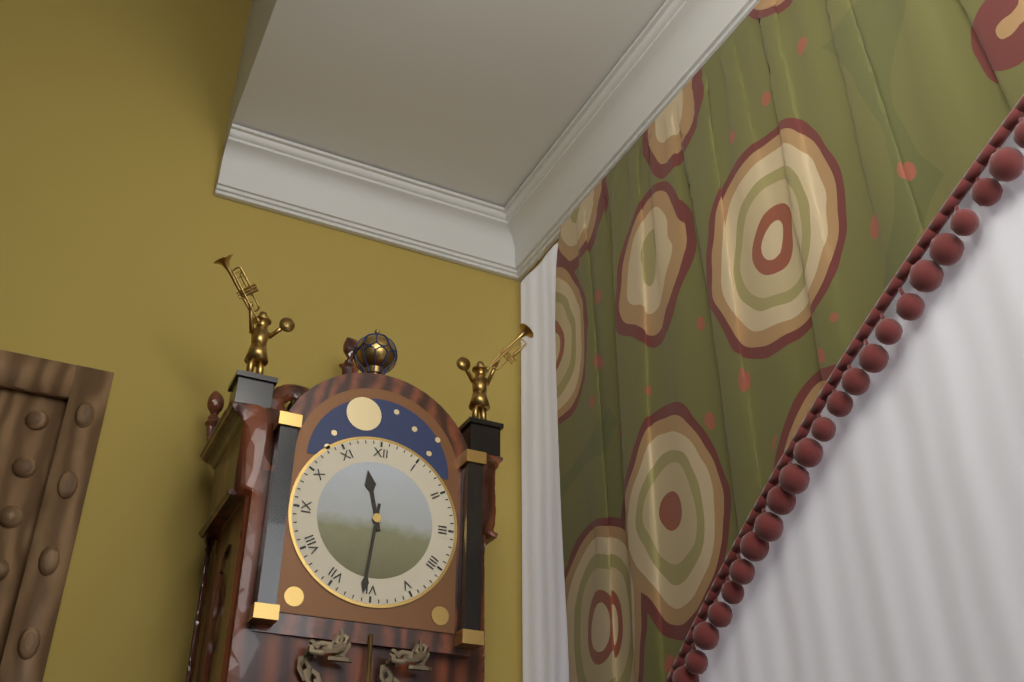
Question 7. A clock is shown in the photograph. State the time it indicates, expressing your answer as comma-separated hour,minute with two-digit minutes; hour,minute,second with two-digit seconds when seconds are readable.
11,31
